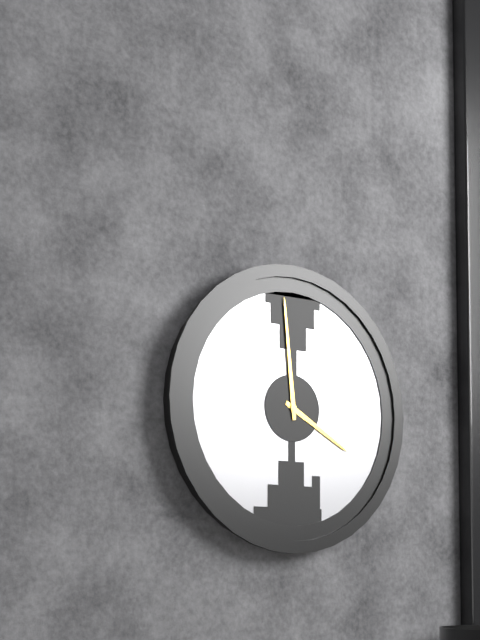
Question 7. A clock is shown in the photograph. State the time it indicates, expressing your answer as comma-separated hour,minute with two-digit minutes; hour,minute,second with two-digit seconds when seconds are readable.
3,59
